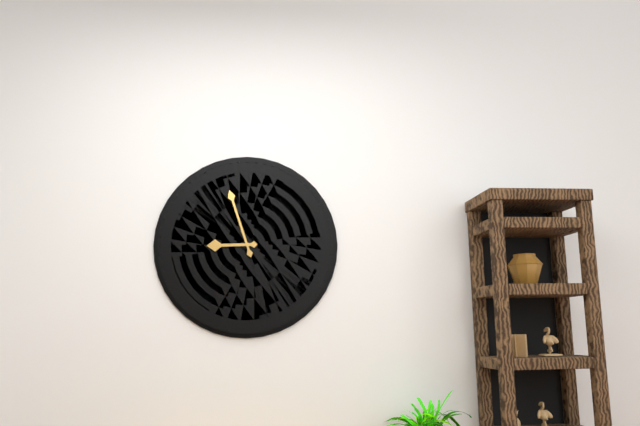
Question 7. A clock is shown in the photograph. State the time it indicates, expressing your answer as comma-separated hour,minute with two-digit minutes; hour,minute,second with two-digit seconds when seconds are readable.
8,57
